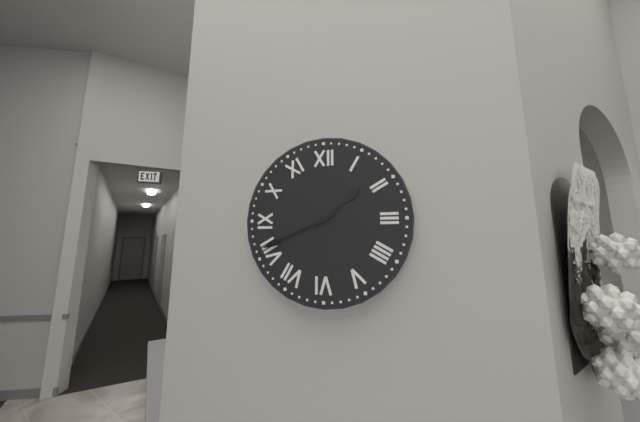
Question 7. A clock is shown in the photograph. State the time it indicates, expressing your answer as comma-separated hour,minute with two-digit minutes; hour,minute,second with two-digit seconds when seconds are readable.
1,41
